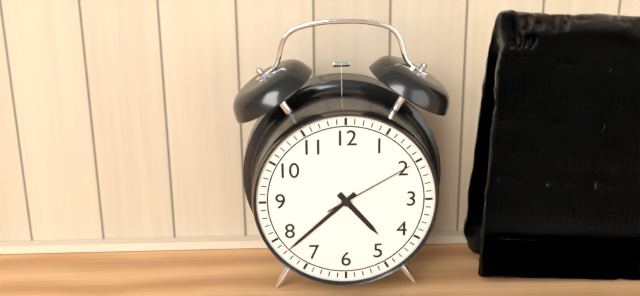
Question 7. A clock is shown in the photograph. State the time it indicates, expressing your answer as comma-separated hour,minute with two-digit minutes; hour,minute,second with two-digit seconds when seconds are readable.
4,38,10
